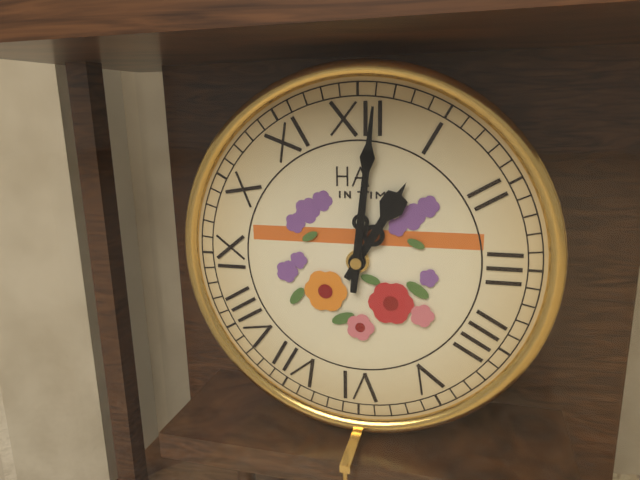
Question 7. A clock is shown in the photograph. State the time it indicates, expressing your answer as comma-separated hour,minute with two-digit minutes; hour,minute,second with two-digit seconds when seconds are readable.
1,01
